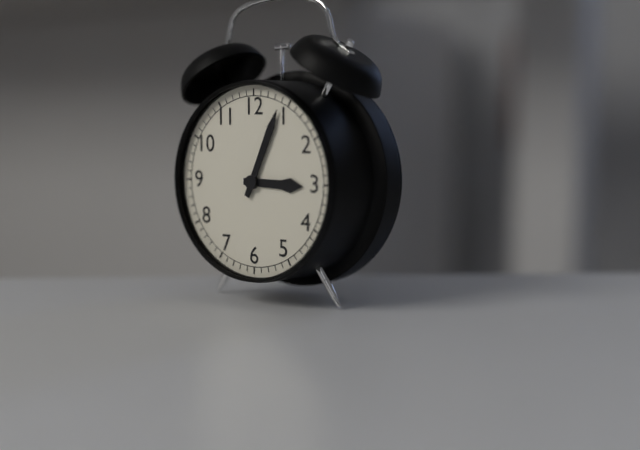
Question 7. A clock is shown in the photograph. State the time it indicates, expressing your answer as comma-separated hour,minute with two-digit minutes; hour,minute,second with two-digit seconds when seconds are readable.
3,04
